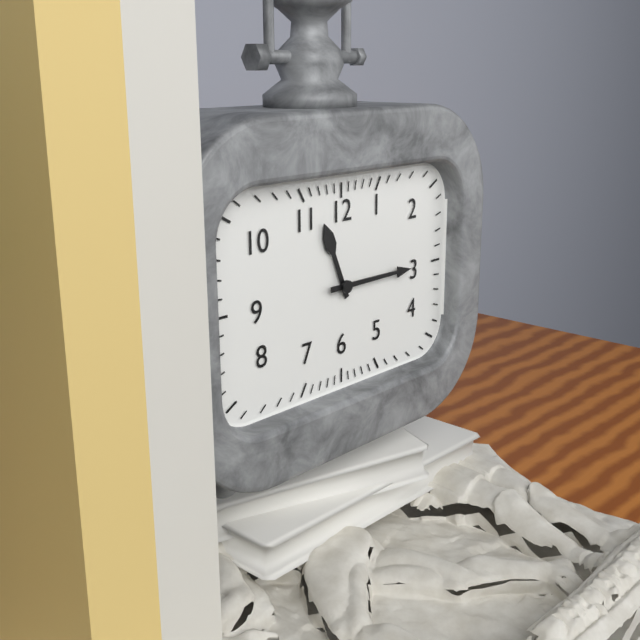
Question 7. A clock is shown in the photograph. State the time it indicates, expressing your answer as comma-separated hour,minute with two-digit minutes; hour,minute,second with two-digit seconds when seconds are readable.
11,15
